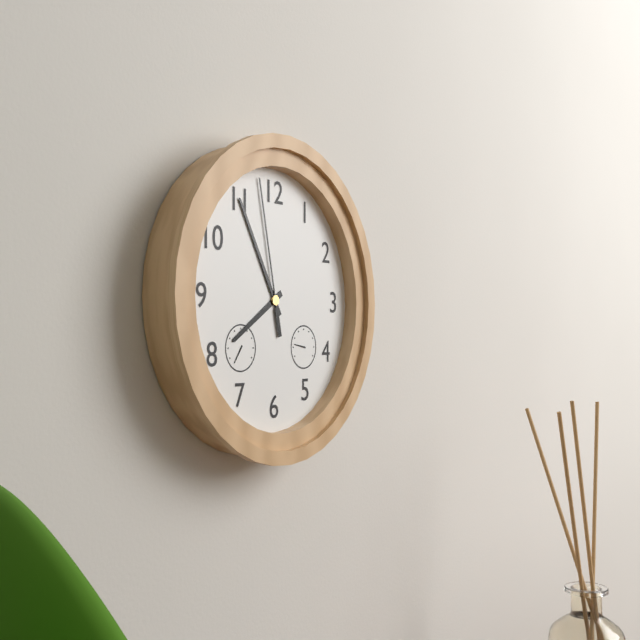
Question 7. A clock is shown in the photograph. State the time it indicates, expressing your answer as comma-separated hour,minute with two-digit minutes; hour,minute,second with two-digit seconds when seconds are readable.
7,55,58
